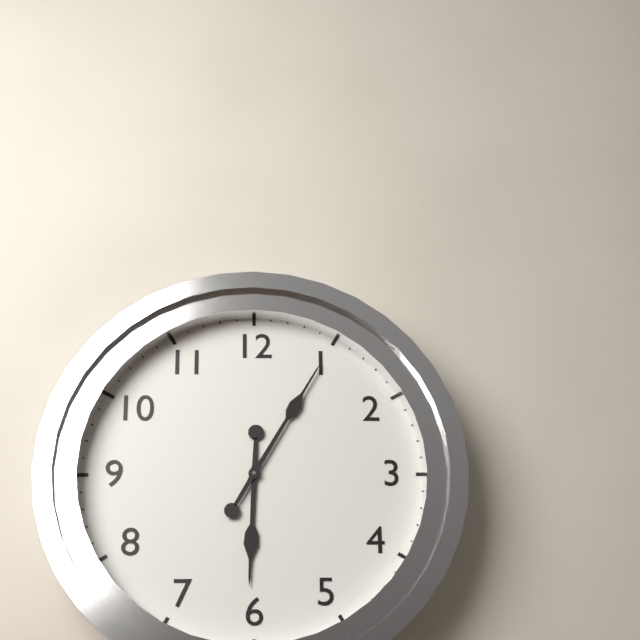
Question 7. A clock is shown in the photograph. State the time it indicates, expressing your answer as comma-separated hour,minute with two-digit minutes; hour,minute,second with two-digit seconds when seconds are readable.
6,05
